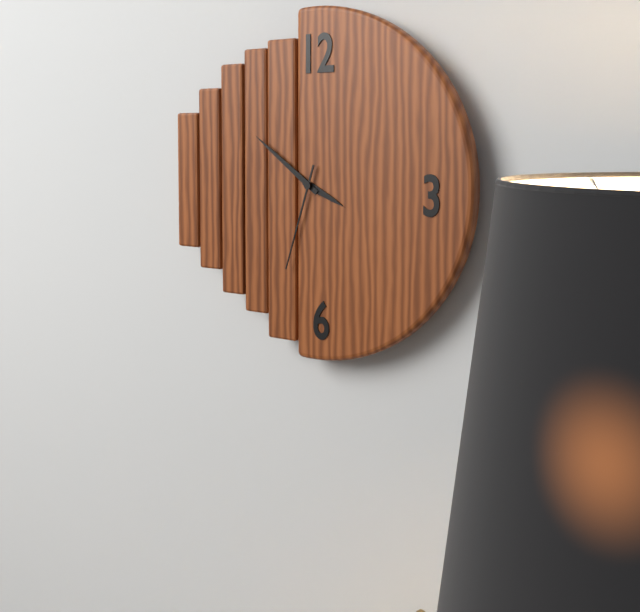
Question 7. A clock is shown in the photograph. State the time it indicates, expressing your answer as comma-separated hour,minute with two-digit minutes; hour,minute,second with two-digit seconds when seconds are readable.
3,51,33
